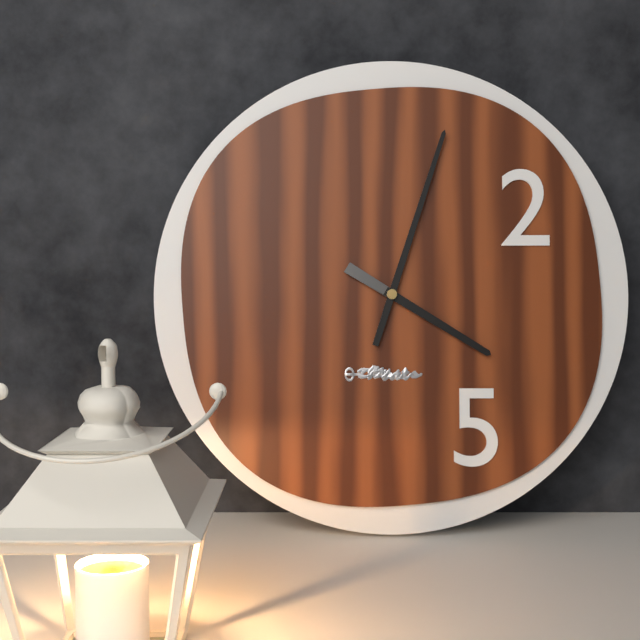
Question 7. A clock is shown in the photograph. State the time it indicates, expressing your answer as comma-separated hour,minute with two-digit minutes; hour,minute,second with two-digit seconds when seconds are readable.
4,03
